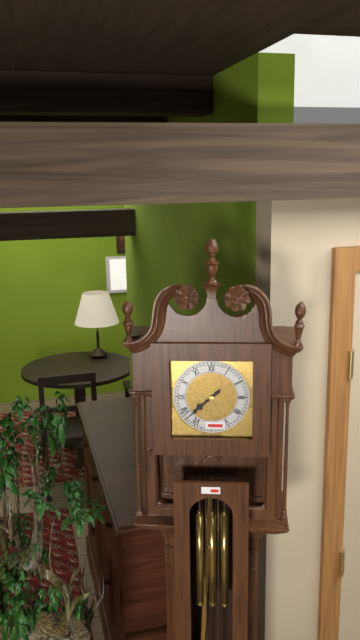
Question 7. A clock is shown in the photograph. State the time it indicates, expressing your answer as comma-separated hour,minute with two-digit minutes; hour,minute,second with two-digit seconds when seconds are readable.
7,38
